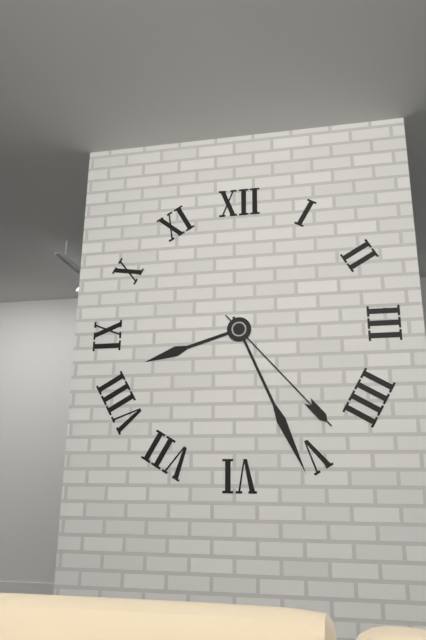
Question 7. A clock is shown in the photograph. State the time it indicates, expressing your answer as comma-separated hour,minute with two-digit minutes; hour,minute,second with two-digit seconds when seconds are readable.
8,26,23
